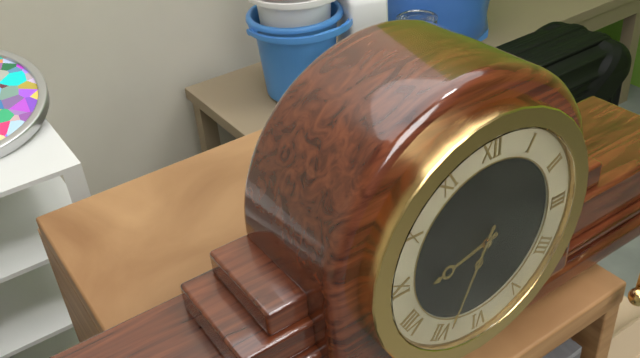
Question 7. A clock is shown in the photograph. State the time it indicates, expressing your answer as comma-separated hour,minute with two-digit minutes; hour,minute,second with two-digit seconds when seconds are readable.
8,34
